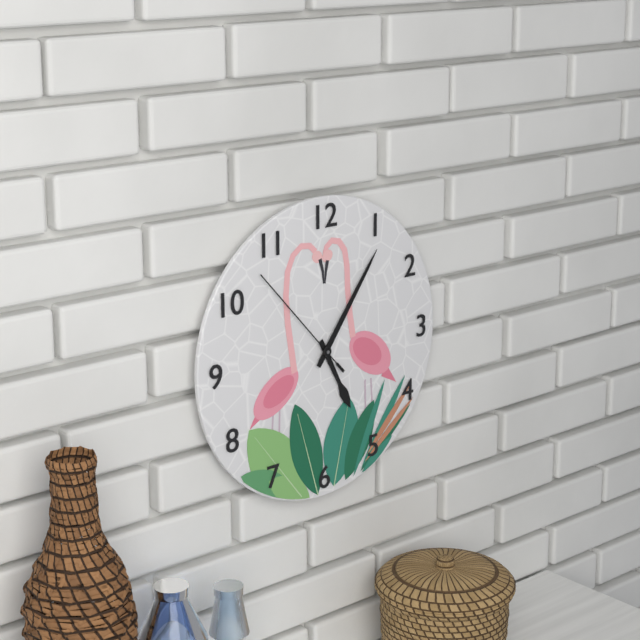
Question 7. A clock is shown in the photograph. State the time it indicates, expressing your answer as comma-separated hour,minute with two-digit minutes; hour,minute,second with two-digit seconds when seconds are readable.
5,06,53
